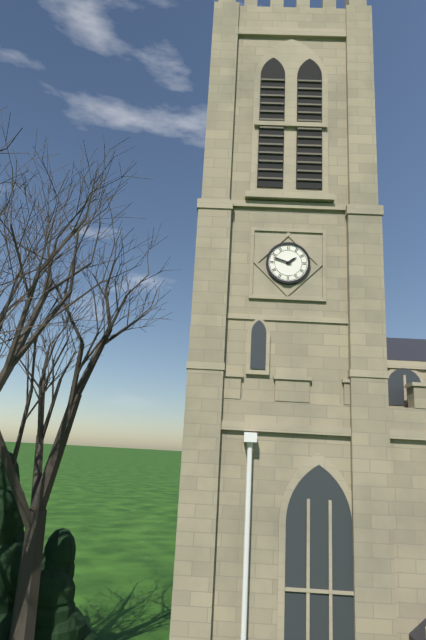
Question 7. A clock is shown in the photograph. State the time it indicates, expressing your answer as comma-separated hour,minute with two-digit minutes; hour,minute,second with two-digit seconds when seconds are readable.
1,48
